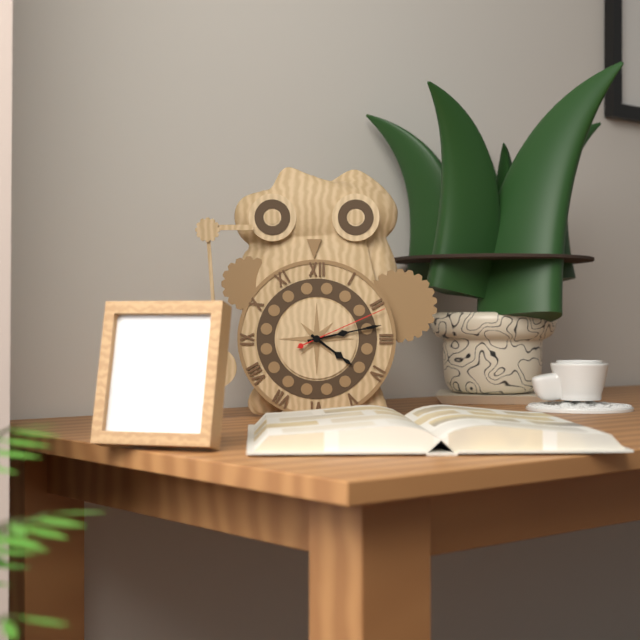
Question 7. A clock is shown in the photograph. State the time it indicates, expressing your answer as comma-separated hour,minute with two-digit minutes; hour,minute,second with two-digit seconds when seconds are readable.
4,13,11
